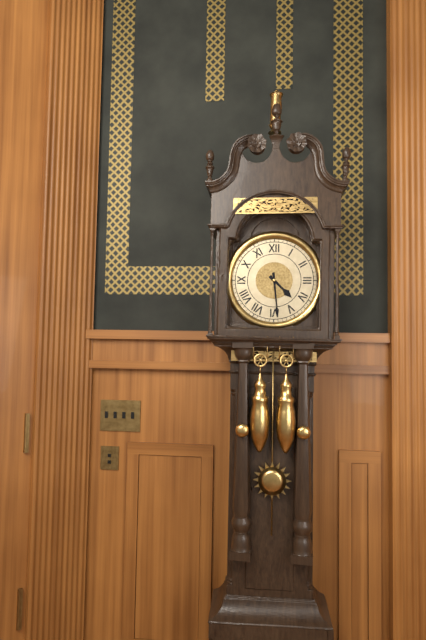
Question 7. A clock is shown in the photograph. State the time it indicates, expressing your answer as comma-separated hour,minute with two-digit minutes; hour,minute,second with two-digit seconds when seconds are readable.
4,29
